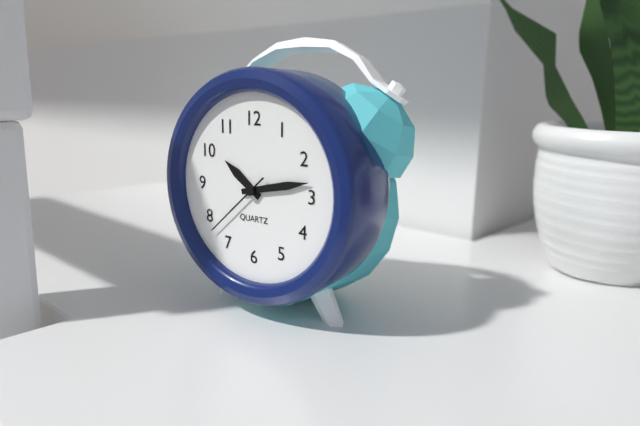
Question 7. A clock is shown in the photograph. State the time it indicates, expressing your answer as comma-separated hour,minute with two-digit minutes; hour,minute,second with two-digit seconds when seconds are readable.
10,13,38
